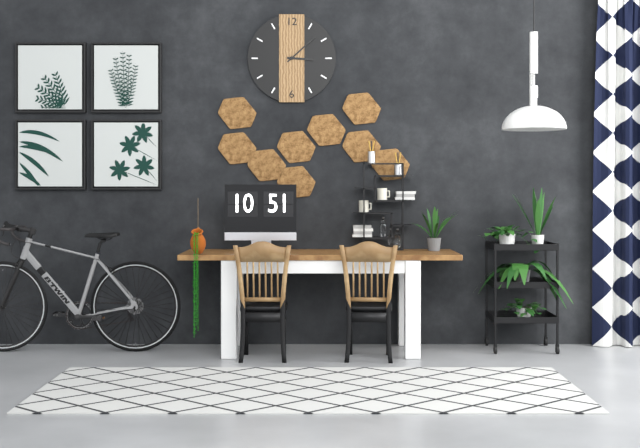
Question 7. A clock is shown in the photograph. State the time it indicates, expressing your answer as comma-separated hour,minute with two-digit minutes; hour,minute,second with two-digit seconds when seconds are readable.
3,08
